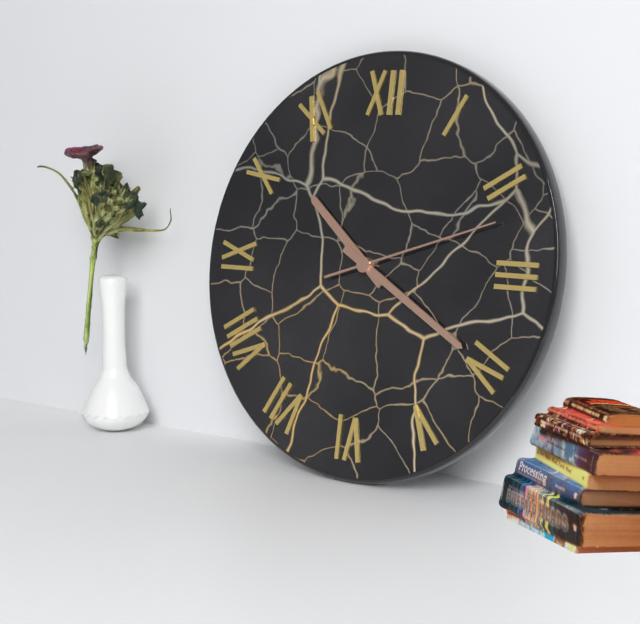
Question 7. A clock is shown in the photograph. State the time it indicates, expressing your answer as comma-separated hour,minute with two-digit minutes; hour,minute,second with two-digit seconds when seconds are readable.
10,20,12
